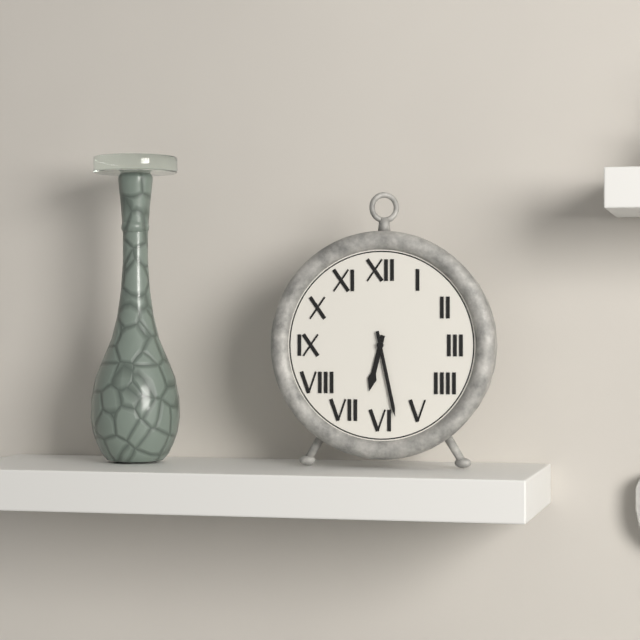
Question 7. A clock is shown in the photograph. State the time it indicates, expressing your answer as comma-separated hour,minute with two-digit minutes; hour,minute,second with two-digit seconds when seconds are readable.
6,28
